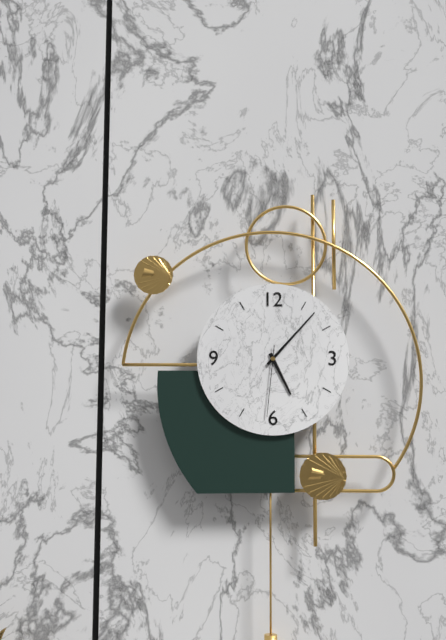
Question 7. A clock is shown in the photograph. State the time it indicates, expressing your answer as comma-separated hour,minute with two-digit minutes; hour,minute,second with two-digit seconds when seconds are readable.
5,07,31
